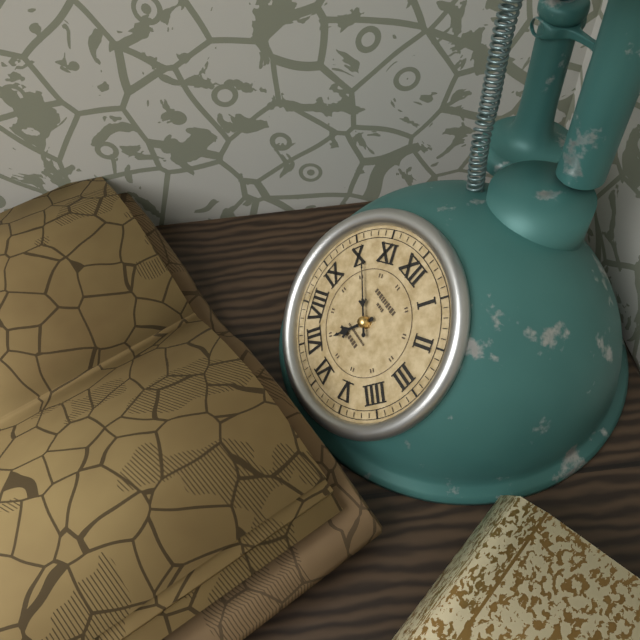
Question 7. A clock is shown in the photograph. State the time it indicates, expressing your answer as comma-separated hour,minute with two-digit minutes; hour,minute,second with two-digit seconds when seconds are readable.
6,51
